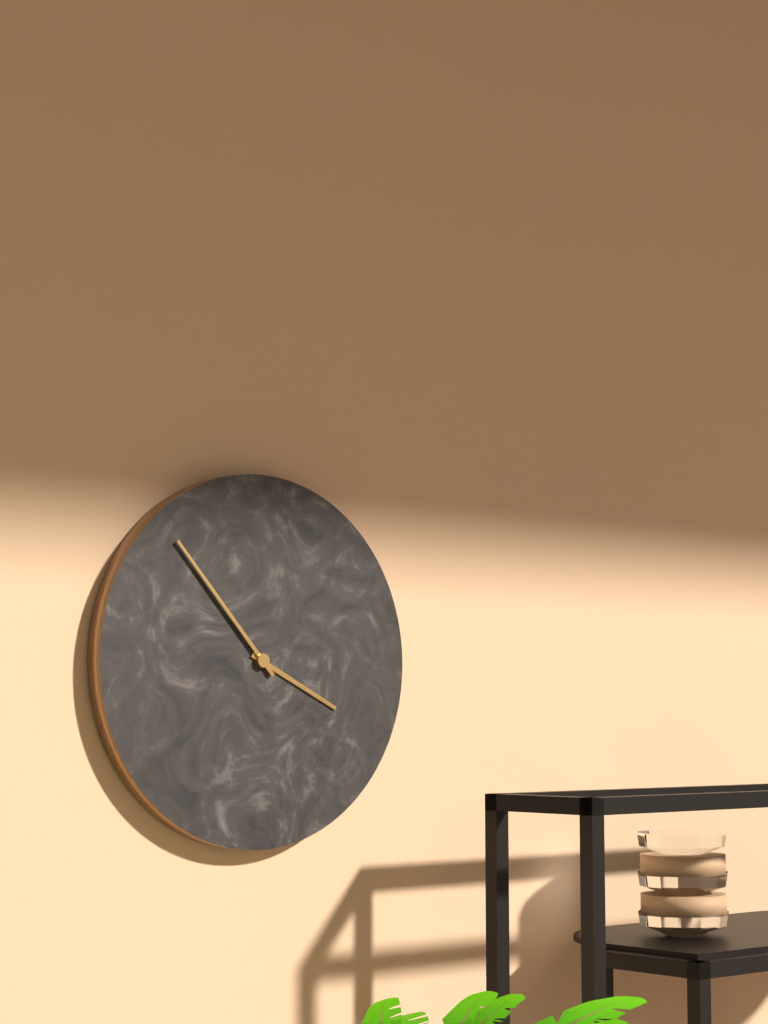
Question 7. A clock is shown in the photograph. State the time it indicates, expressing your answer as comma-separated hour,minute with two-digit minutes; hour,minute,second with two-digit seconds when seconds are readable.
3,53
